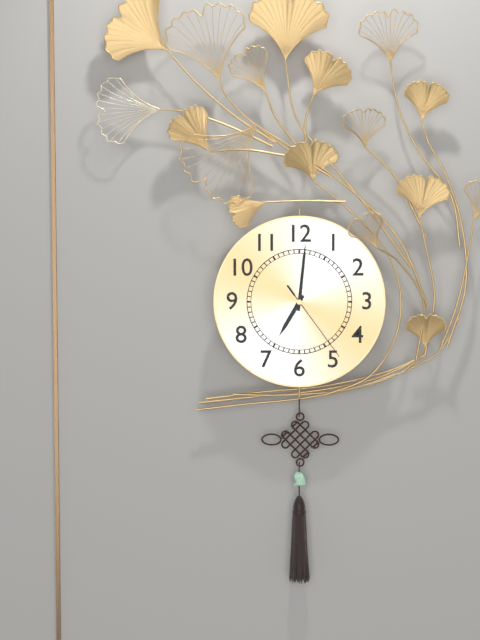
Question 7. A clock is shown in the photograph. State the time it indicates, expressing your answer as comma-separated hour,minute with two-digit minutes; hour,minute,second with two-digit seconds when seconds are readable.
7,01,24
